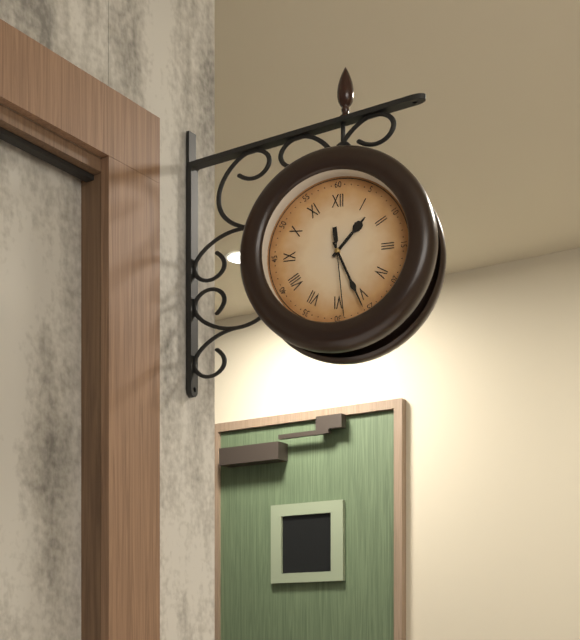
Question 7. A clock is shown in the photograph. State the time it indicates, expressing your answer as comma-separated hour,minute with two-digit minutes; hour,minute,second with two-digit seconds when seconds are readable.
1,26,29
